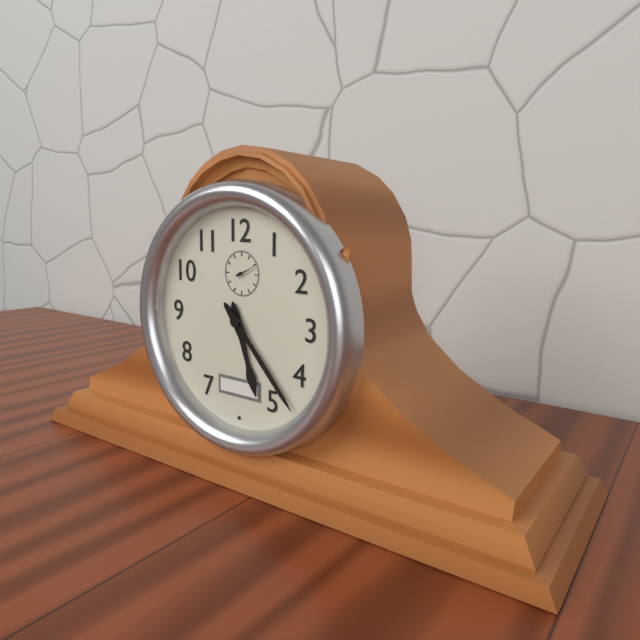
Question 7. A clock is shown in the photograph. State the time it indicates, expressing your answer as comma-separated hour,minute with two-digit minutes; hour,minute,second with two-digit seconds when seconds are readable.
5,23
